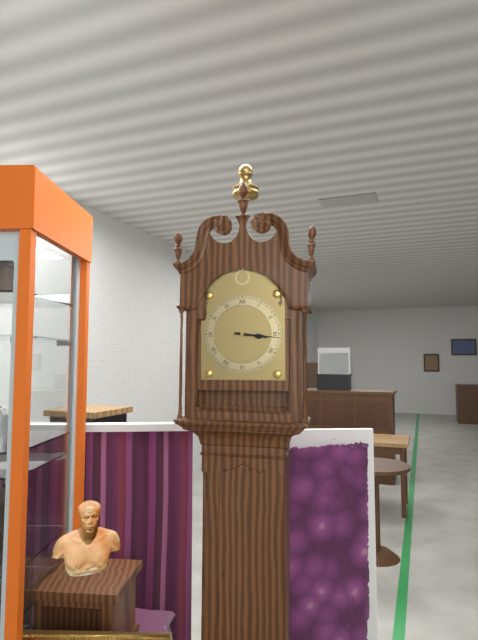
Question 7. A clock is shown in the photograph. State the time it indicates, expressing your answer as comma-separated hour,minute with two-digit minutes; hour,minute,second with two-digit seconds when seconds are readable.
3,16
